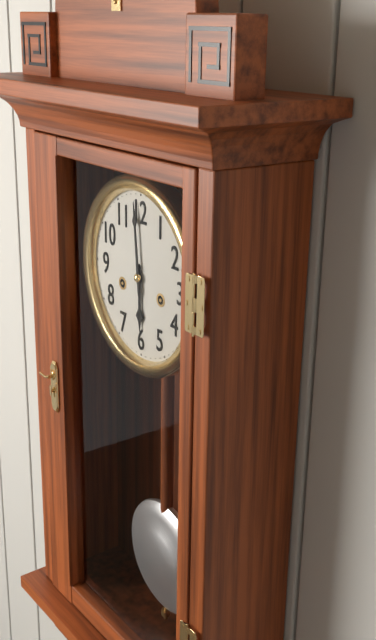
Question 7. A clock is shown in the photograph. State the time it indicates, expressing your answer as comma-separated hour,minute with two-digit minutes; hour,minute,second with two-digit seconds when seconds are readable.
5,59
